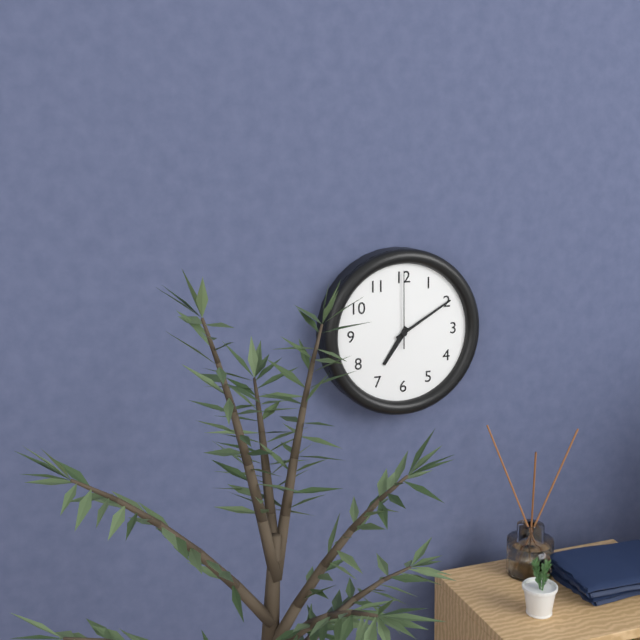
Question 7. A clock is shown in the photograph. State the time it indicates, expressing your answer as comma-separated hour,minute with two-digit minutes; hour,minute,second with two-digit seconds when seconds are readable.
7,10,00
